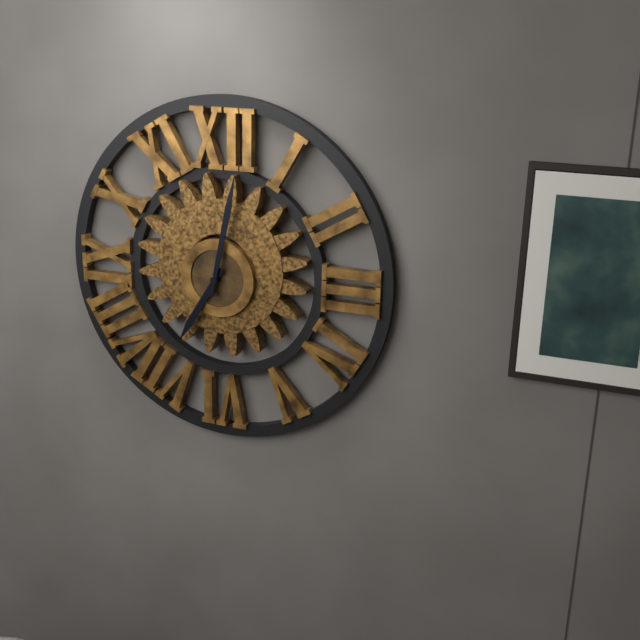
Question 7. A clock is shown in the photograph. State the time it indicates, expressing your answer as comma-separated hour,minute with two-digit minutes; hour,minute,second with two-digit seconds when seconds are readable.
7,02
